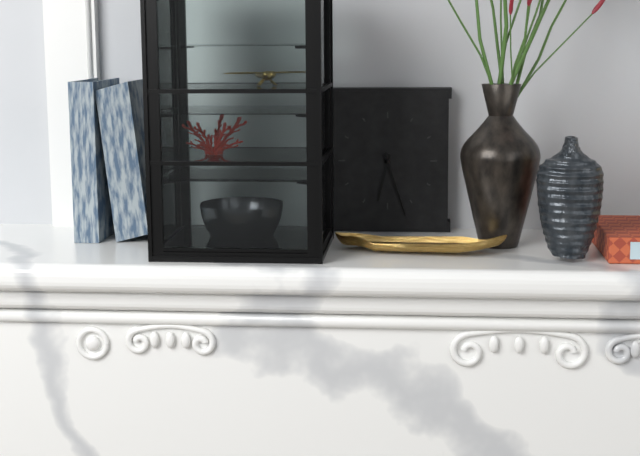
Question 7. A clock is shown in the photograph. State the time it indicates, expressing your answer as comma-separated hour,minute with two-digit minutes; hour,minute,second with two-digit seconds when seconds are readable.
6,27
